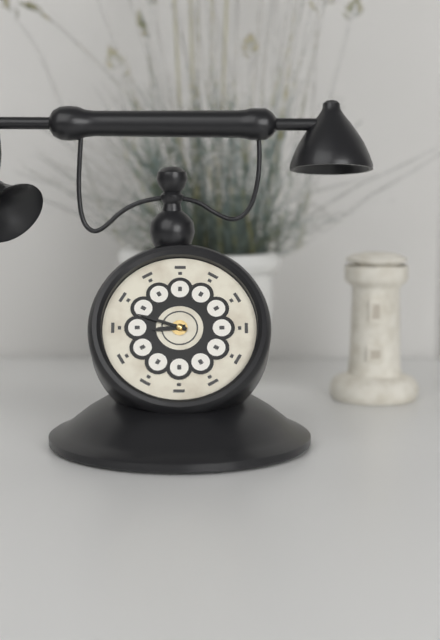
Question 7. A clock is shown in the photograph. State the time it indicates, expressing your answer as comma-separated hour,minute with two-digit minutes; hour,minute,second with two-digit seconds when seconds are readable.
8,48
